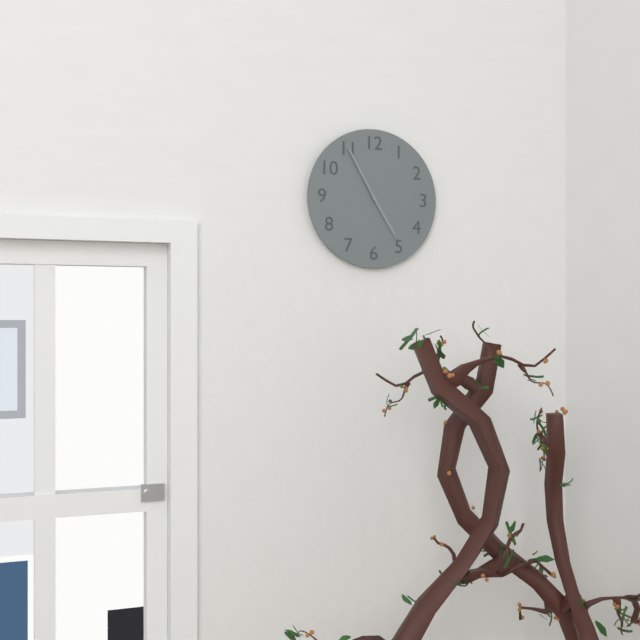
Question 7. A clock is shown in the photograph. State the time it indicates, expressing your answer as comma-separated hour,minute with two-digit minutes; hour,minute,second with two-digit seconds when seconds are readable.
4,55
